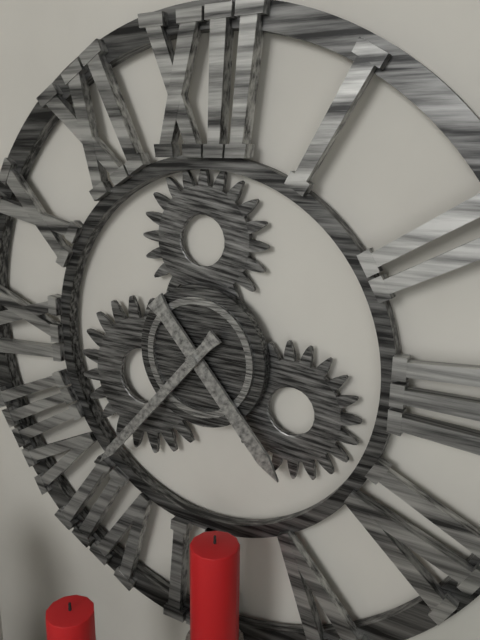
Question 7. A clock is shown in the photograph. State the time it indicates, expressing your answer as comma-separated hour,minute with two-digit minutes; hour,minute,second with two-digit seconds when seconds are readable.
4,37
